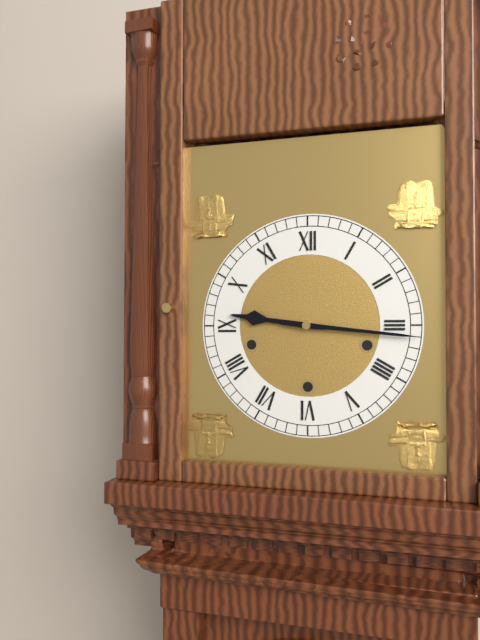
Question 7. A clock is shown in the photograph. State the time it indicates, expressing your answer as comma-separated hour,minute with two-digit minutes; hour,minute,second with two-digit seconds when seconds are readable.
9,16
